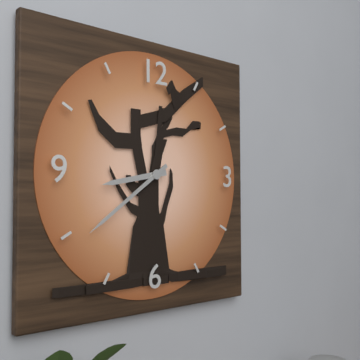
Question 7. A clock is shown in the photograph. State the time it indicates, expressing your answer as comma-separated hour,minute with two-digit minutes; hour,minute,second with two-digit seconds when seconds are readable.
8,39
